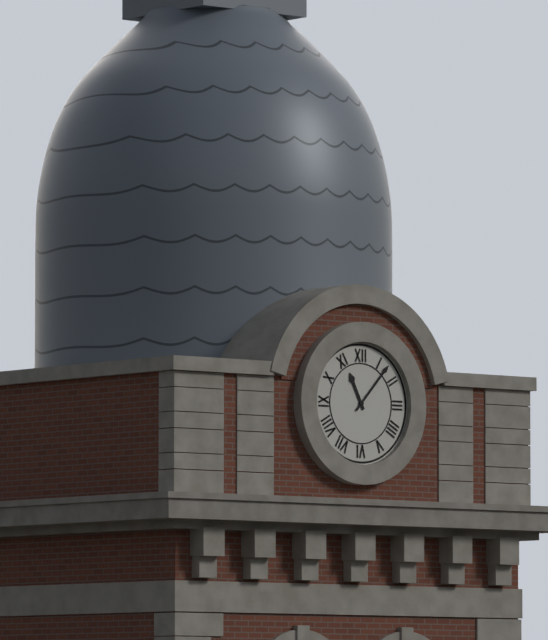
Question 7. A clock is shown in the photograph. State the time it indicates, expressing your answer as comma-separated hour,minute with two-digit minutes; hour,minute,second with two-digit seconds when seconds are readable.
11,07
